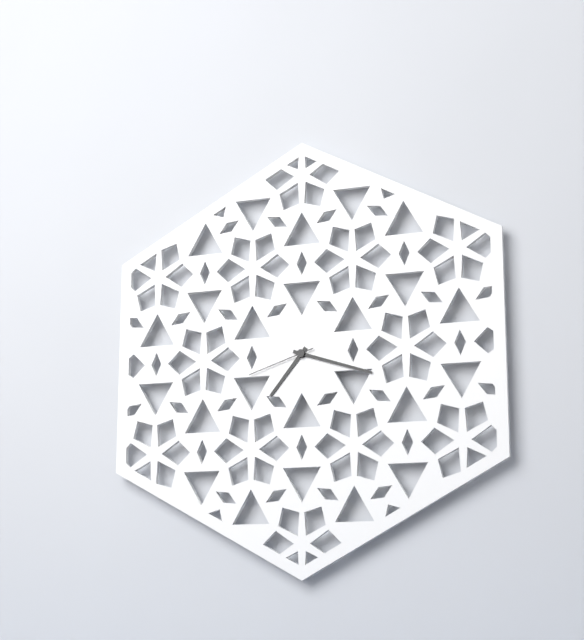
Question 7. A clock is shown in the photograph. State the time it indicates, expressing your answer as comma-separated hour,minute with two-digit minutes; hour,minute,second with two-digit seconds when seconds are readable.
7,18,42
